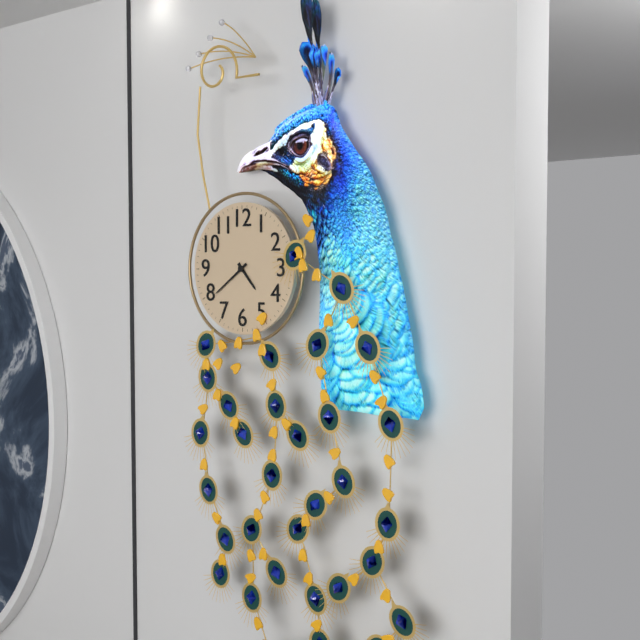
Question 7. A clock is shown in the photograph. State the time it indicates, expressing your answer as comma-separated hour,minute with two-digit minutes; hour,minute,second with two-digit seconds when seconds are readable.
4,39
